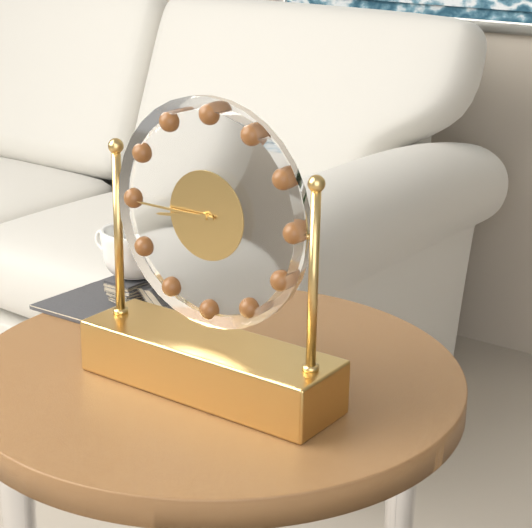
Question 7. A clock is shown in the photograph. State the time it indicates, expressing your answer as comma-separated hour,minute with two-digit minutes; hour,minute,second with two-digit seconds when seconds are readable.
8,45
